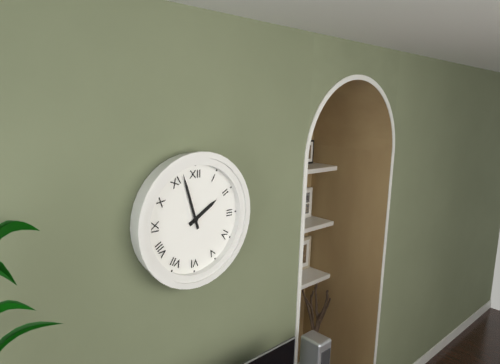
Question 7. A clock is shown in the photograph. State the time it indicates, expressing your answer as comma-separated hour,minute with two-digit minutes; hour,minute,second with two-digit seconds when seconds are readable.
1,57
